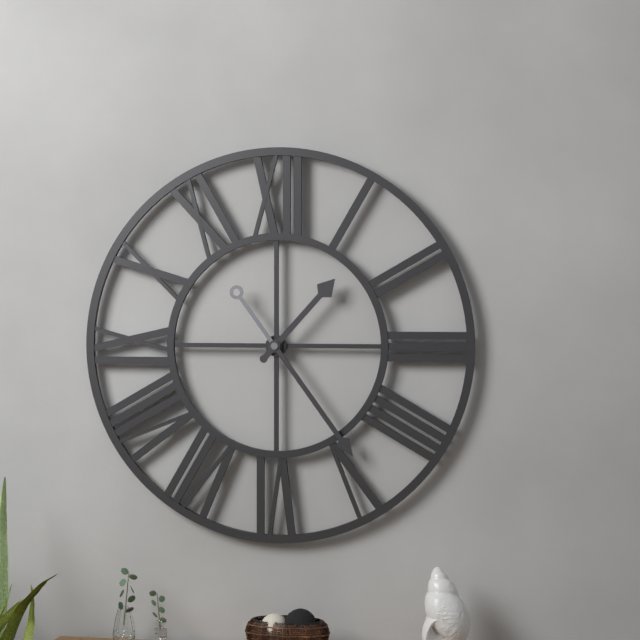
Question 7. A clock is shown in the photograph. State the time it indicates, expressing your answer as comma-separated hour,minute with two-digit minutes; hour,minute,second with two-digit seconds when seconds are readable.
1,24
